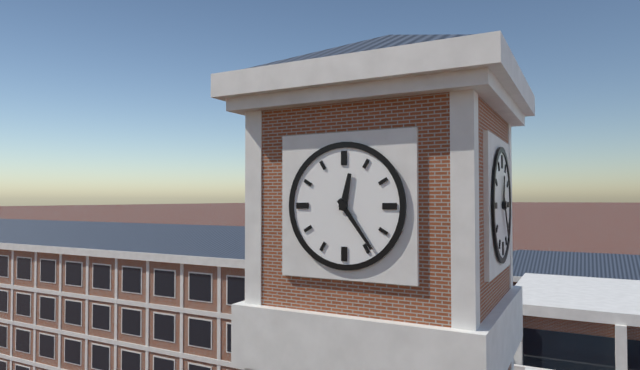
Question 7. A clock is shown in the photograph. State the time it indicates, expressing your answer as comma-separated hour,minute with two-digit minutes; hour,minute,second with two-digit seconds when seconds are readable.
12,24
